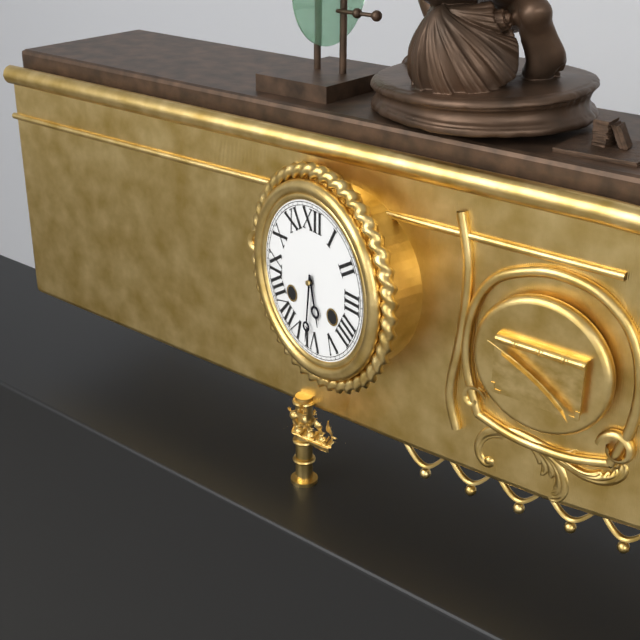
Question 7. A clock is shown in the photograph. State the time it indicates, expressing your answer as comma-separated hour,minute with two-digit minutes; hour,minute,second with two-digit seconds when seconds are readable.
5,31
